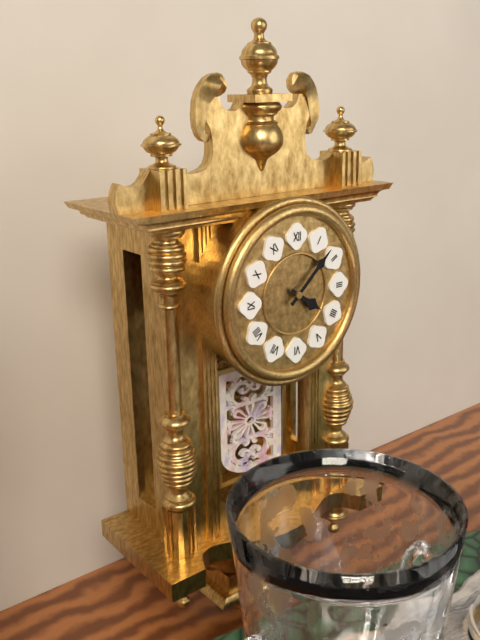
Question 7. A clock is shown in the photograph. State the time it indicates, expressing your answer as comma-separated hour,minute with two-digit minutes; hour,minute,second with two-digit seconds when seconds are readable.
4,08
